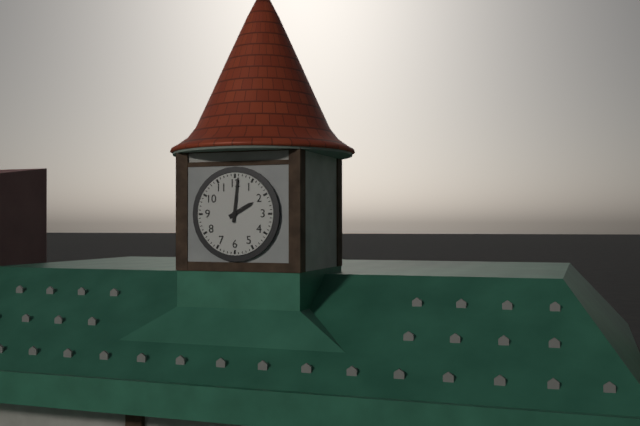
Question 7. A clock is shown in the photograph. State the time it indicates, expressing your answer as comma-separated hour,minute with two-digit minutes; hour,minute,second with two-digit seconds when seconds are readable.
2,01
